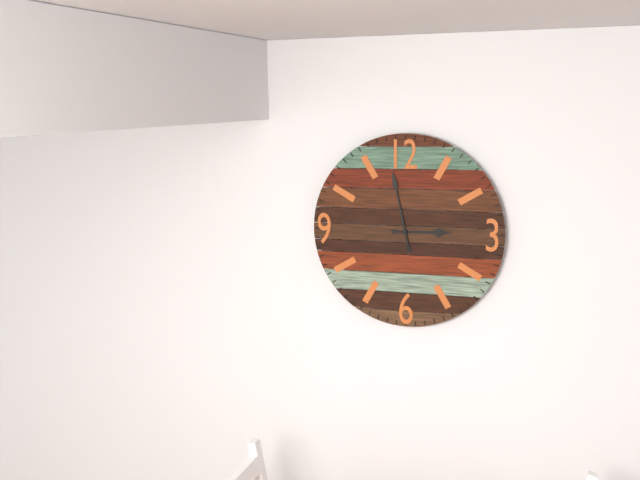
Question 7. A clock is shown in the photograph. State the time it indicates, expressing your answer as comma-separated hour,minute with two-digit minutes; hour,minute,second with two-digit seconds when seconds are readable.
2,58
